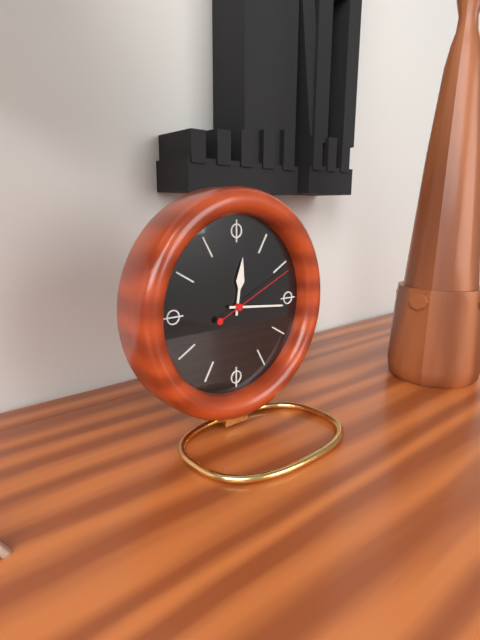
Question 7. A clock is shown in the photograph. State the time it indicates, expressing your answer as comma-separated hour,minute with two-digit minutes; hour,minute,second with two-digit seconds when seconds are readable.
12,16,11
